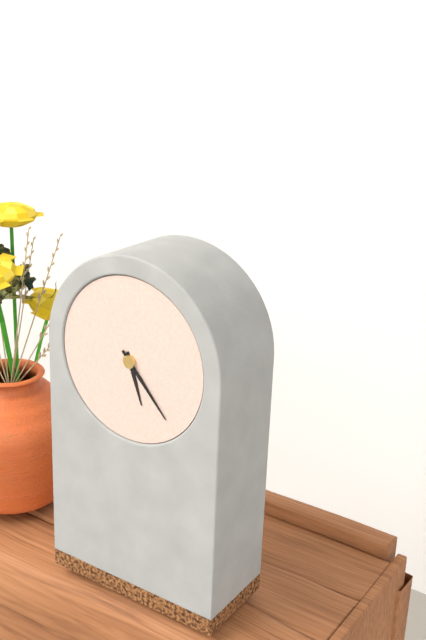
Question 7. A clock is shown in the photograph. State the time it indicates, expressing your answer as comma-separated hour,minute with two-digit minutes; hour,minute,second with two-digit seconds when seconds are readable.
5,23
